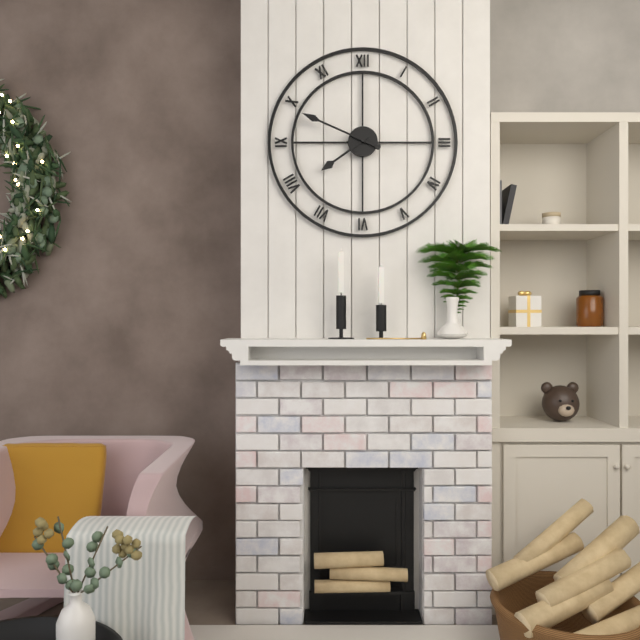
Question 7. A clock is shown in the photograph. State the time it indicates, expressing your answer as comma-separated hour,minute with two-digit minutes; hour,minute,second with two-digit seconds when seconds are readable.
7,49
